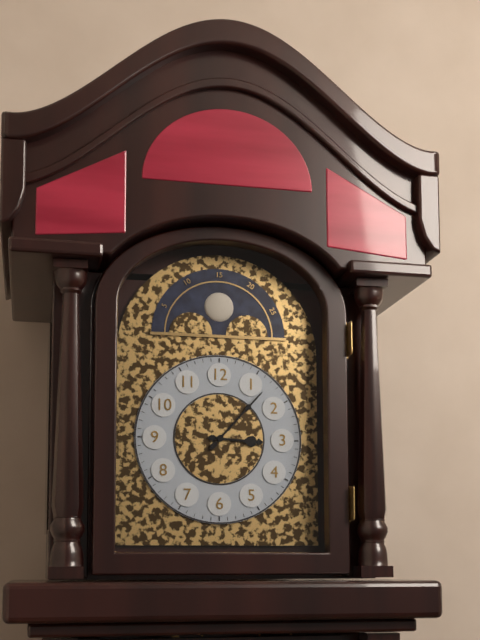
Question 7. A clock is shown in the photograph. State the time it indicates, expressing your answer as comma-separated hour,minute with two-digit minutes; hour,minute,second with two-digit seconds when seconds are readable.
3,07
